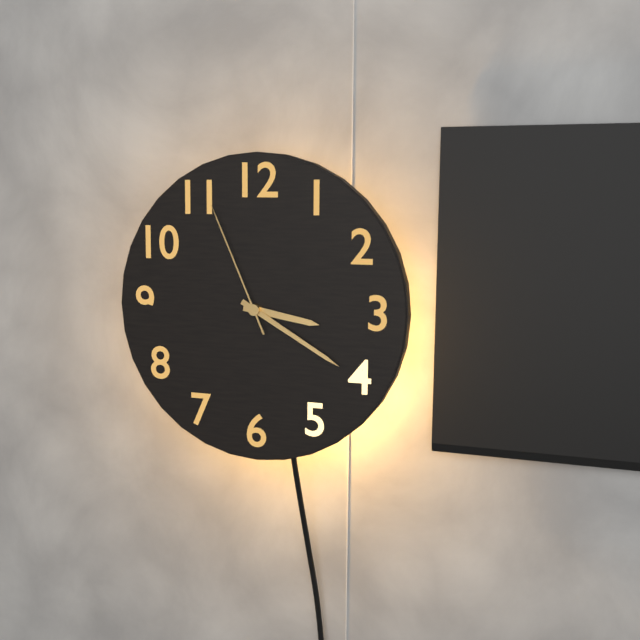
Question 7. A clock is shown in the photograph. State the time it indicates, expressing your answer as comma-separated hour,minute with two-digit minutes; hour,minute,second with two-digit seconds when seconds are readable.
3,20,56
